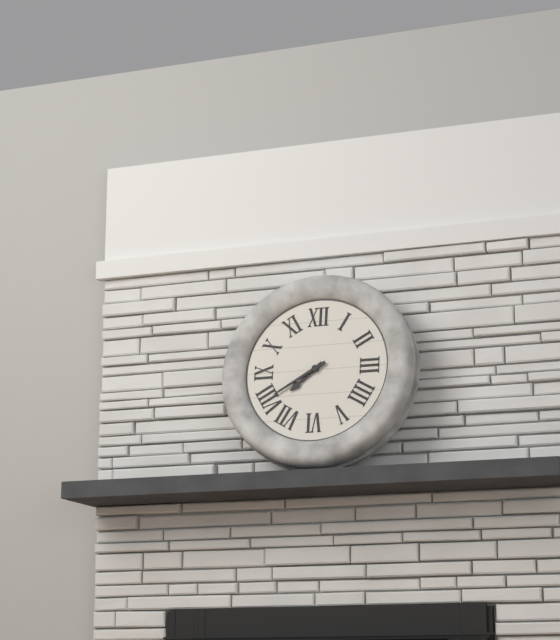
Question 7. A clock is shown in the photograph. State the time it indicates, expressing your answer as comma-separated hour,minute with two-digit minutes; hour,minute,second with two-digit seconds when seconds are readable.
7,40
